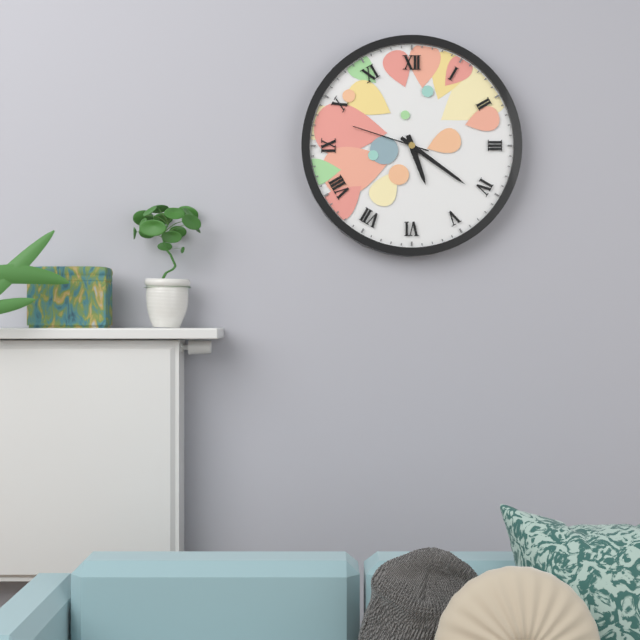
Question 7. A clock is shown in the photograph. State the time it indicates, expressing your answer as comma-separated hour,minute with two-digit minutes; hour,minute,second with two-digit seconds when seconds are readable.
5,21,48
